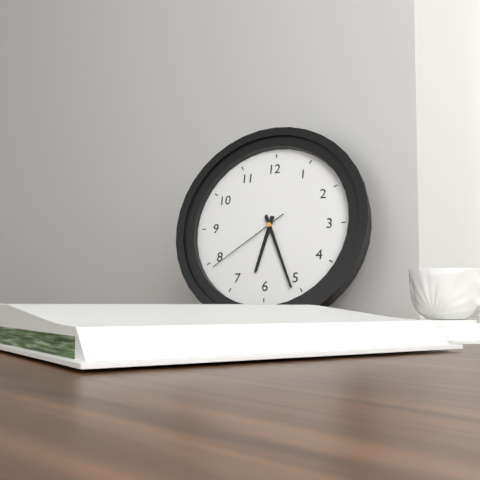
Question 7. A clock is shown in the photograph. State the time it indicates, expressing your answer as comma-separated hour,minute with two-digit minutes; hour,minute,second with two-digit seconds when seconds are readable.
6,26,39
